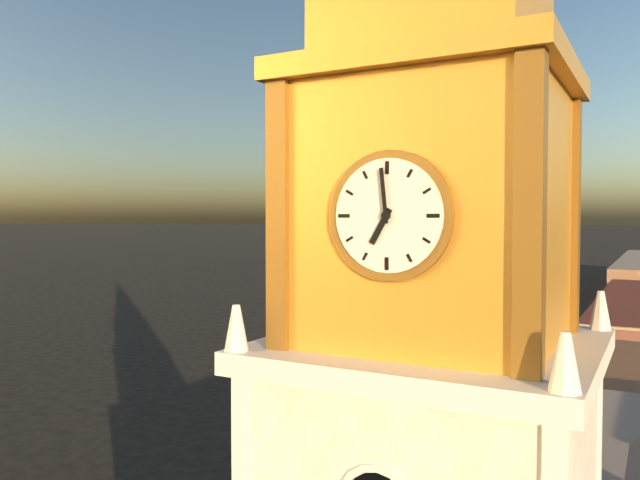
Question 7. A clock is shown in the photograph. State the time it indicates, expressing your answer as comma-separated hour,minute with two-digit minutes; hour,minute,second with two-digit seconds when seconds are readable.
6,59
